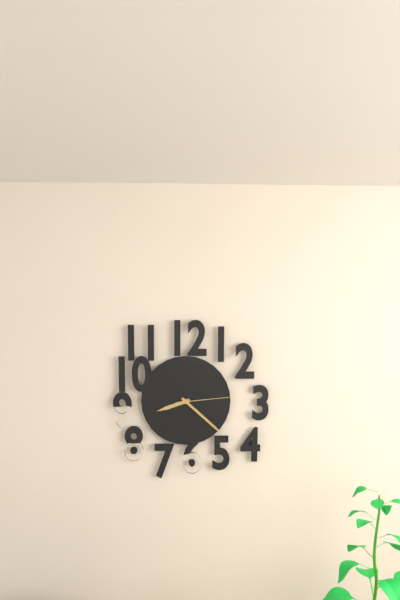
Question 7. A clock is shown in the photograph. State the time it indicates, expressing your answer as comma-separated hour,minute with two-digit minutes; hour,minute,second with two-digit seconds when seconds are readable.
8,22,14
